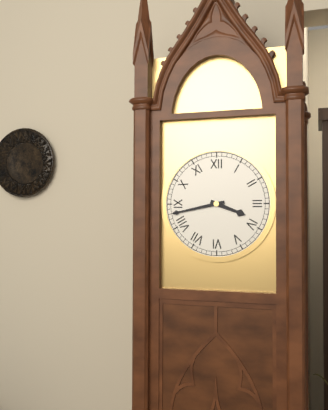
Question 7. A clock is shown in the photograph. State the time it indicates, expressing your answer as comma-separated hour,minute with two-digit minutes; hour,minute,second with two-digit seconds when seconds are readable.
3,43
